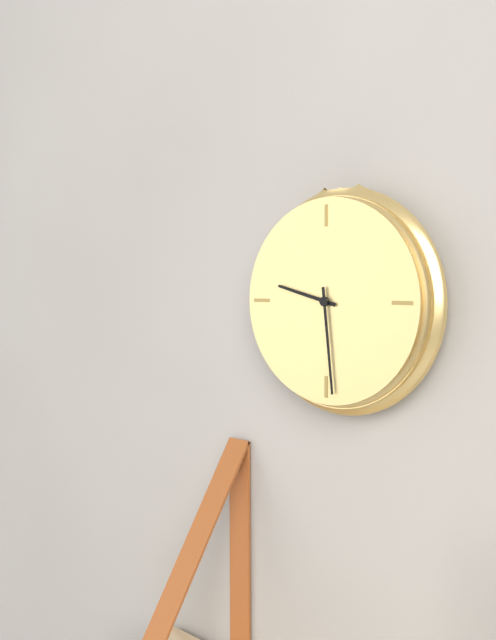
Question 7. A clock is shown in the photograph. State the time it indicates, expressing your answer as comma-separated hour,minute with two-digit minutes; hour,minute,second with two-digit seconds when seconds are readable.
9,29
